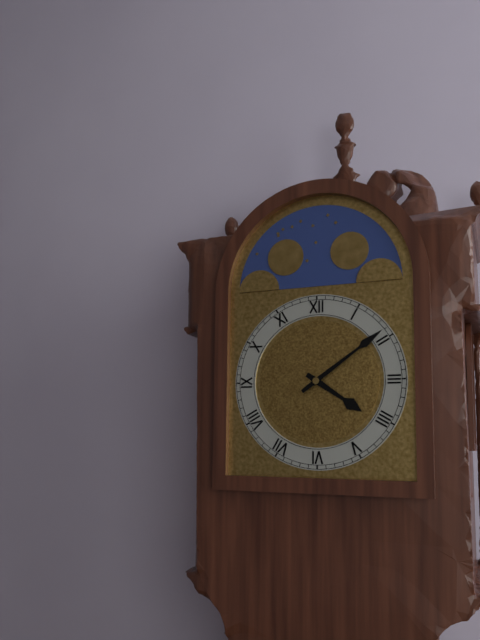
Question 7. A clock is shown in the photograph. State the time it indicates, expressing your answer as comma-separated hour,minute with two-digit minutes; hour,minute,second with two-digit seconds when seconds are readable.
4,09
